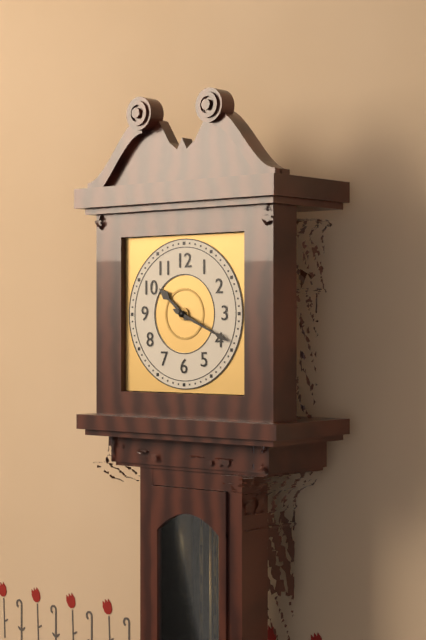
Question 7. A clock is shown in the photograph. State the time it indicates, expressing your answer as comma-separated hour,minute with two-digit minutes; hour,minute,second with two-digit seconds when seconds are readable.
10,19
